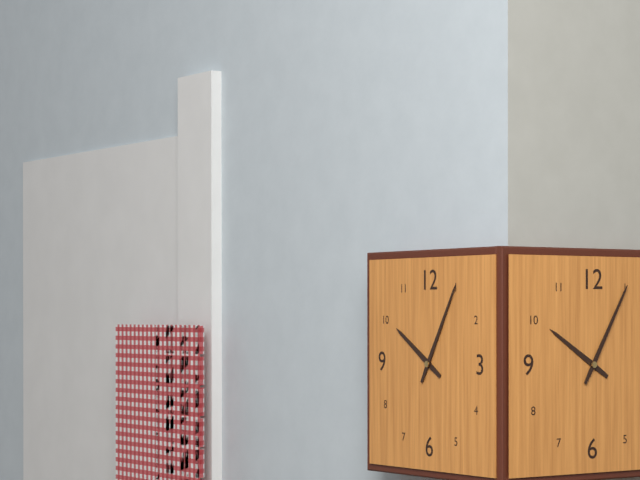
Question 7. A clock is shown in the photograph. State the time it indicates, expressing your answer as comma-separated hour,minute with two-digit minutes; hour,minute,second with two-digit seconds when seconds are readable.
10,05
